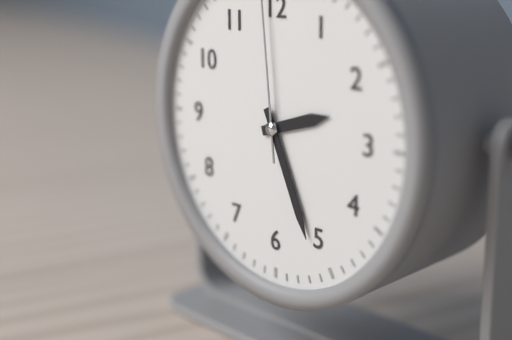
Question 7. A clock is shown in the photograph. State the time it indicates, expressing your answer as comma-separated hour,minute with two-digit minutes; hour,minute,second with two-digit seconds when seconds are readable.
2,26
